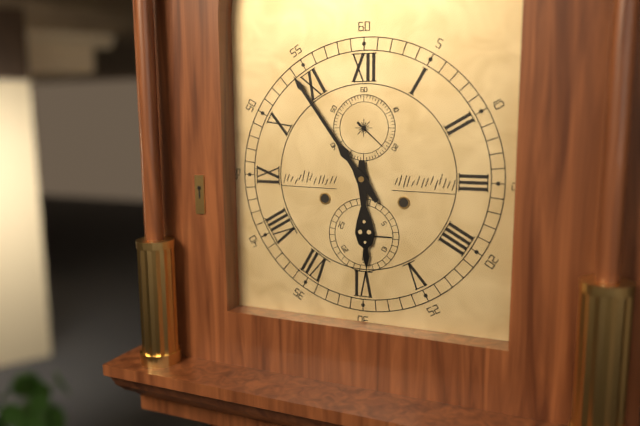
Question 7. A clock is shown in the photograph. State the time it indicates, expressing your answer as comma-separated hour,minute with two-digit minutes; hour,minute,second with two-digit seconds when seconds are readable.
5,54
